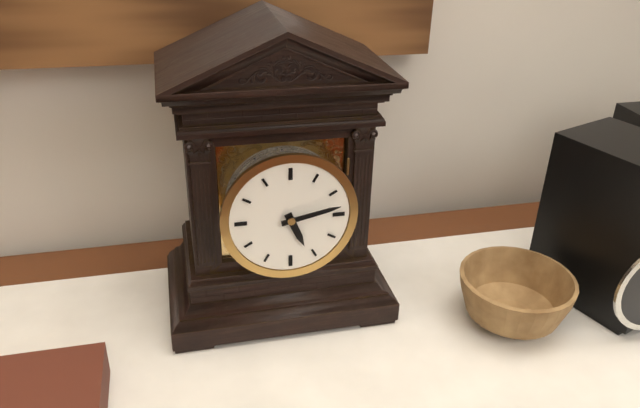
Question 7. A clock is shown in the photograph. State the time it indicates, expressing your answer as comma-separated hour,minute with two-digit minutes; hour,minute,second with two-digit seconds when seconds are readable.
5,13
